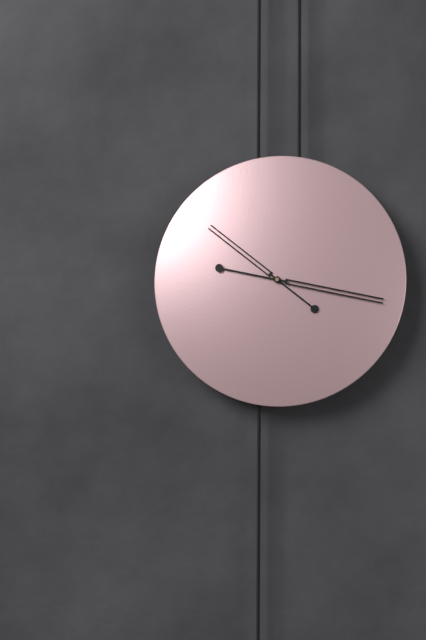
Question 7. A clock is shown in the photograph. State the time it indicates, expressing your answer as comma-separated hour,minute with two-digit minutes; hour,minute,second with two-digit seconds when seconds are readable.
10,17
